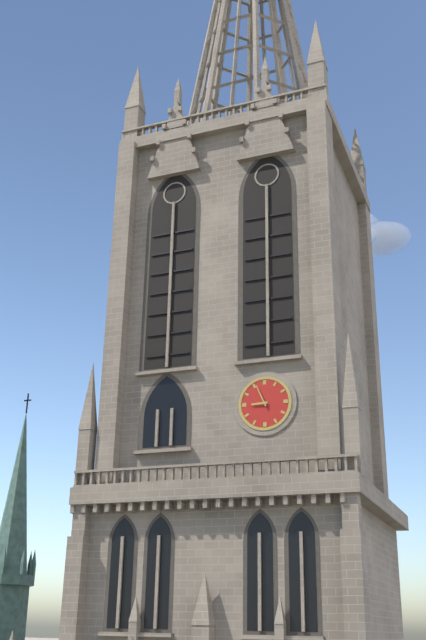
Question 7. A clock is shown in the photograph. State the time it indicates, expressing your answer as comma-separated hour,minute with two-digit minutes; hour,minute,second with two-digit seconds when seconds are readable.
8,56
